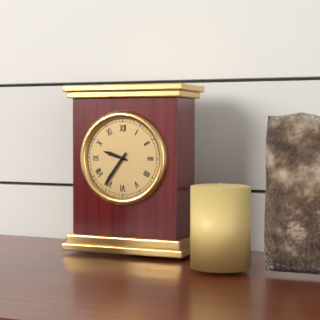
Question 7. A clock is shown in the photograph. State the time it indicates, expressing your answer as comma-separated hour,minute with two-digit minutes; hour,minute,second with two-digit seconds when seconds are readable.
9,36
